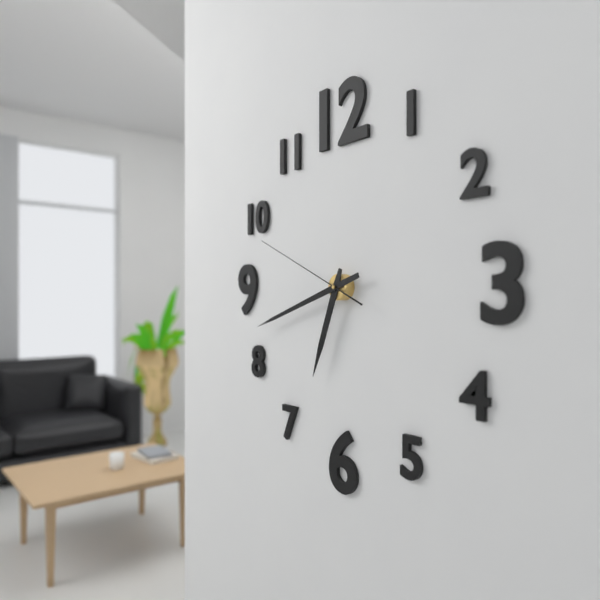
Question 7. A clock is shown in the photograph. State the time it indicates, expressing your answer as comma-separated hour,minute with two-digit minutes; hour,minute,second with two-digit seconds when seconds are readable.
6,42,49
